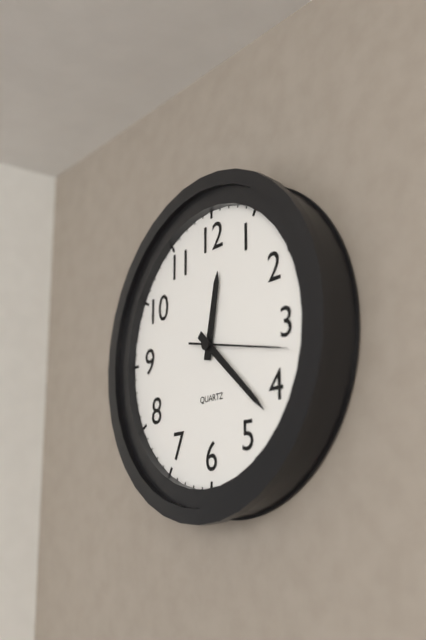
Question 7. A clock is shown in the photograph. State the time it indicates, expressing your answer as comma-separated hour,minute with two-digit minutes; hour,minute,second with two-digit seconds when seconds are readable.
12,22,17
